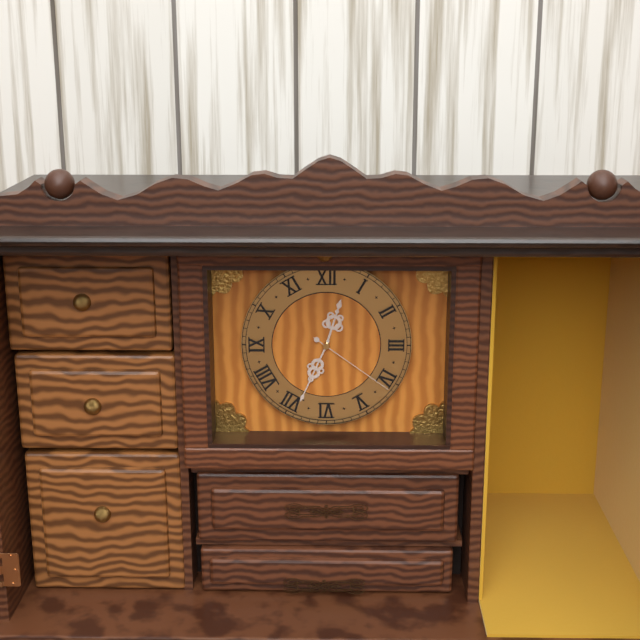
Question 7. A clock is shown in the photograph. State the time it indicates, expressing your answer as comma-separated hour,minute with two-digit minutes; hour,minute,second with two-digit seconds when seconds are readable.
12,34,21
